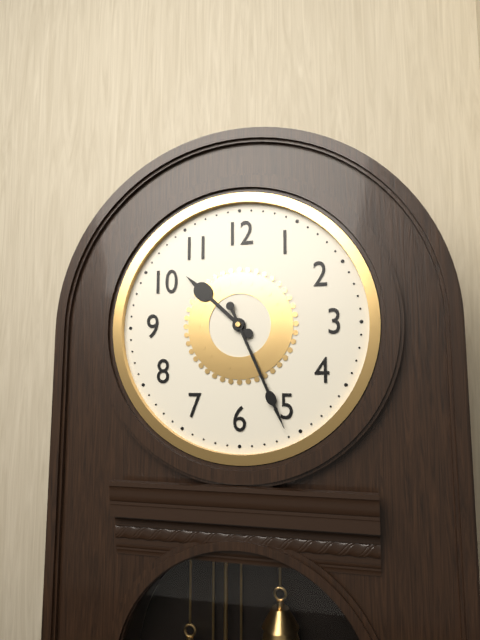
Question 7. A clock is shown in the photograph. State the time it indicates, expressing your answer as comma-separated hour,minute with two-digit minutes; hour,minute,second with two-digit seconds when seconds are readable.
10,26
